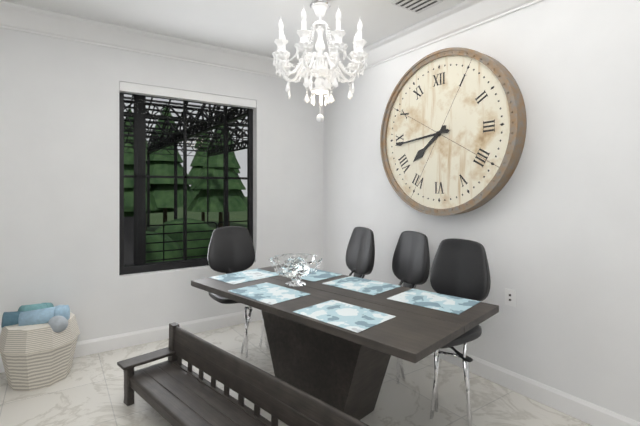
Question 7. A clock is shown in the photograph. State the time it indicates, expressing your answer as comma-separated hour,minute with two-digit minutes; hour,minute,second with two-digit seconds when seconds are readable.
7,44
